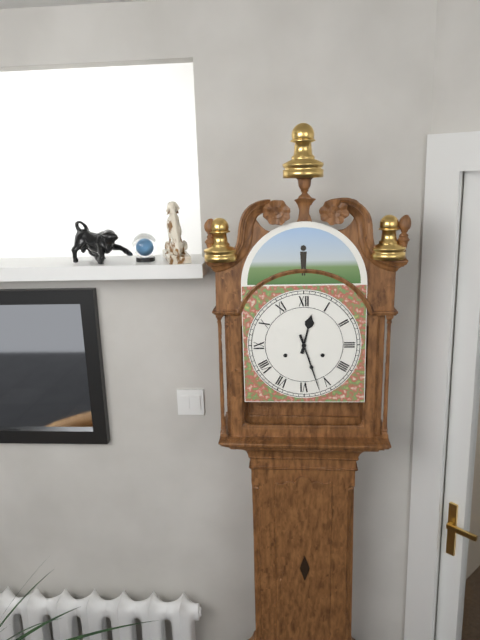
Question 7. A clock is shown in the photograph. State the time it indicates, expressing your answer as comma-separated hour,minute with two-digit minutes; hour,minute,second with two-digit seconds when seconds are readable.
12,27
